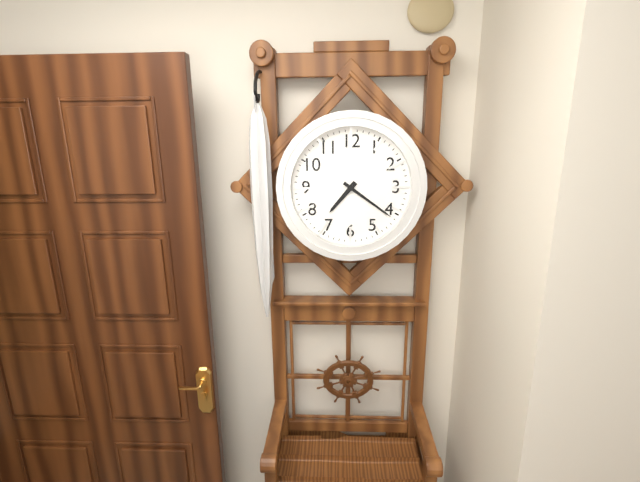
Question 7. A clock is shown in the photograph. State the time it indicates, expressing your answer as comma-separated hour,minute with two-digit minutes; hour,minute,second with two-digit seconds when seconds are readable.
7,21
